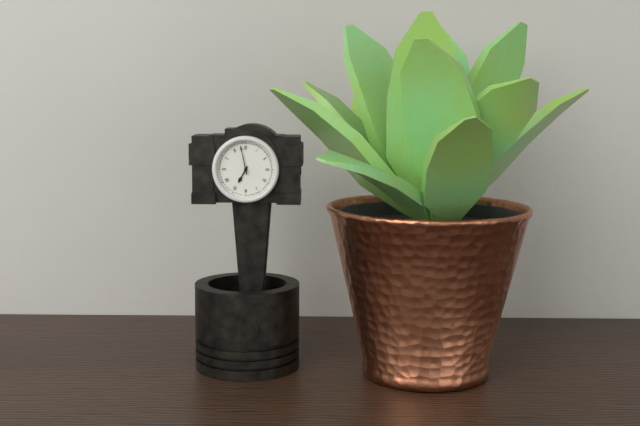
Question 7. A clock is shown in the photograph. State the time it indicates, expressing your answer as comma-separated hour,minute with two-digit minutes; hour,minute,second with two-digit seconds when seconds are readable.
6,58
